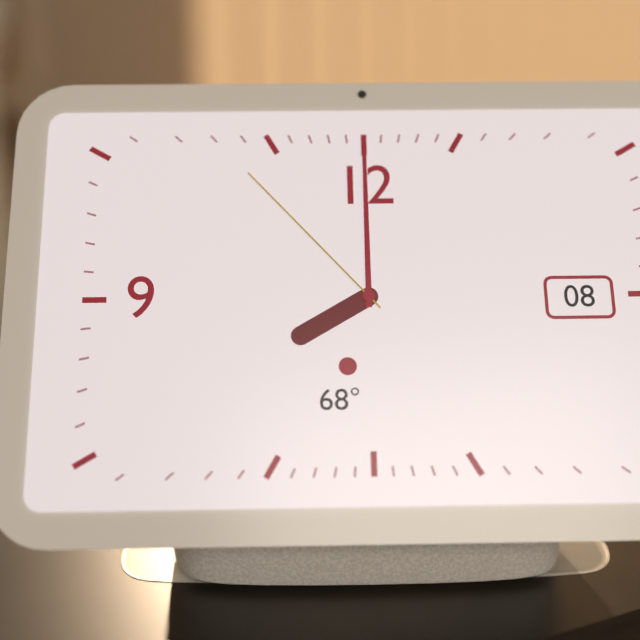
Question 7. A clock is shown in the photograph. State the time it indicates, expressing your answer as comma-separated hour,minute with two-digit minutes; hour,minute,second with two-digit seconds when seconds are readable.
8,00,53
